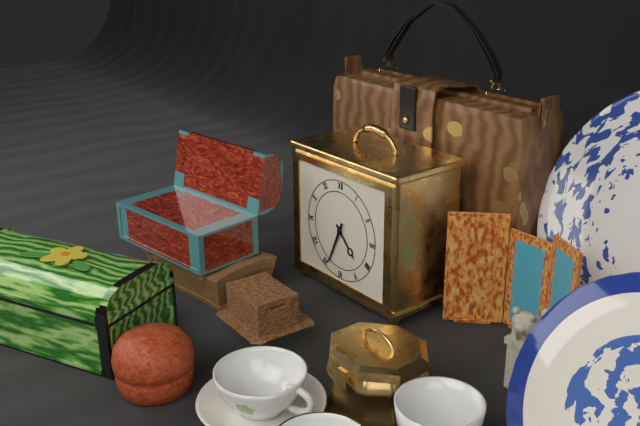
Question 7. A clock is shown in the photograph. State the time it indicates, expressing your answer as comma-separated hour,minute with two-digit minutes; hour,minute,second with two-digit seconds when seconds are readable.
4,34
